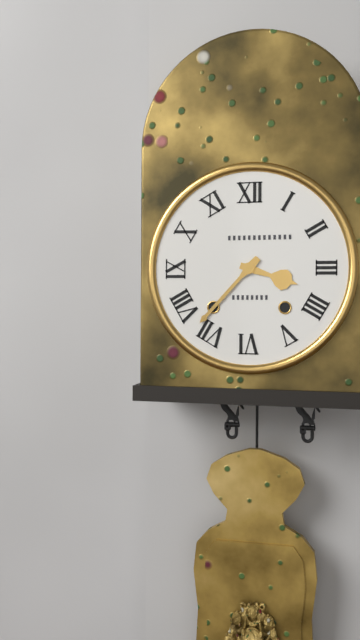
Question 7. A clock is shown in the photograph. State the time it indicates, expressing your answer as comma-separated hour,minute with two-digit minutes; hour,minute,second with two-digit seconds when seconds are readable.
3,37
